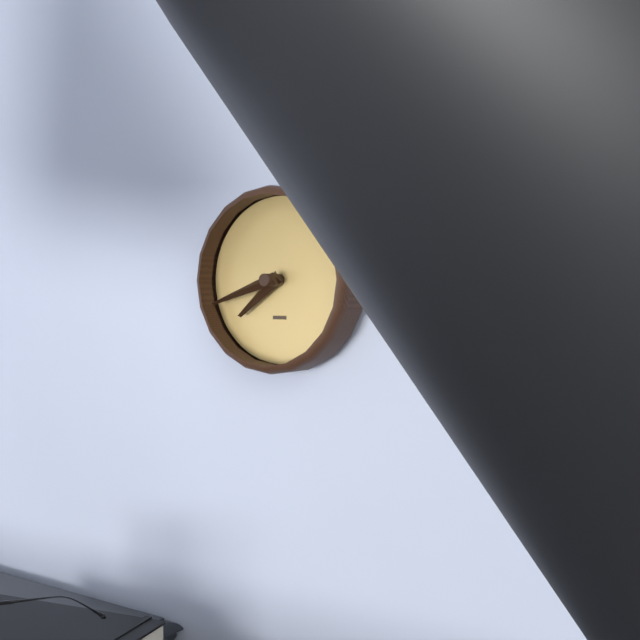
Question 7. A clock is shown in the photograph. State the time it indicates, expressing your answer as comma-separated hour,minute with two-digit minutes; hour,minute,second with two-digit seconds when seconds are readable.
7,42
